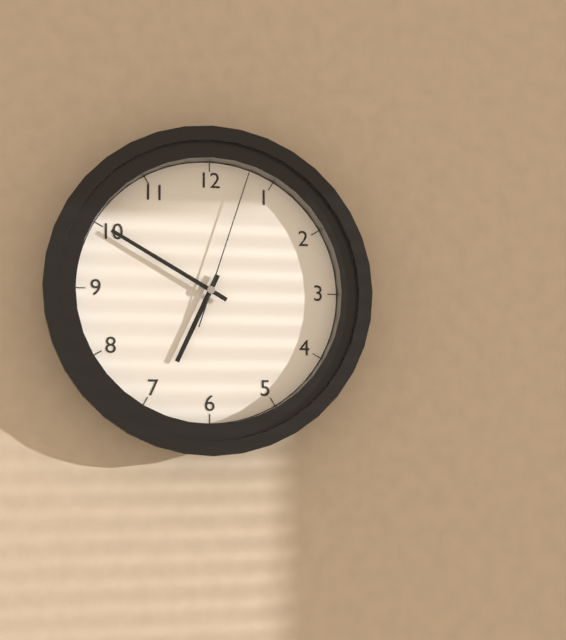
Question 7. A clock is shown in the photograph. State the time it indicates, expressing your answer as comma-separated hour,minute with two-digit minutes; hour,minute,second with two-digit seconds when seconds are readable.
6,50,03
